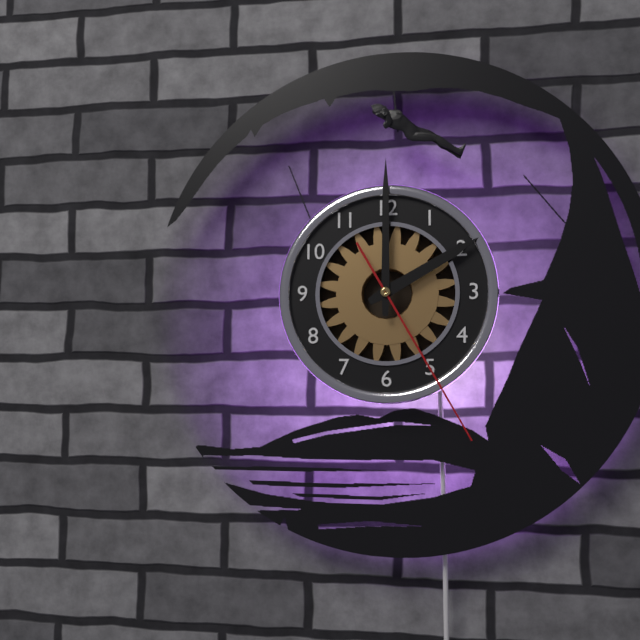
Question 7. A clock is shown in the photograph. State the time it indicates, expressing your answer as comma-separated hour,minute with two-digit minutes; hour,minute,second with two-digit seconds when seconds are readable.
2,00,25
